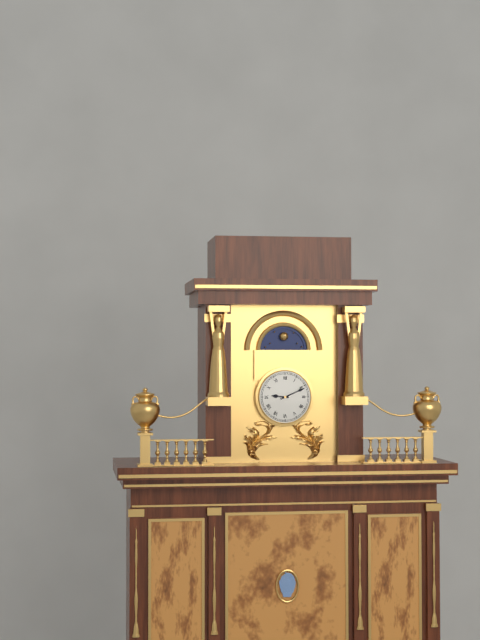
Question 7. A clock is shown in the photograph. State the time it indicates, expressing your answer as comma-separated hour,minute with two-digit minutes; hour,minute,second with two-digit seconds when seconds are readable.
9,11
